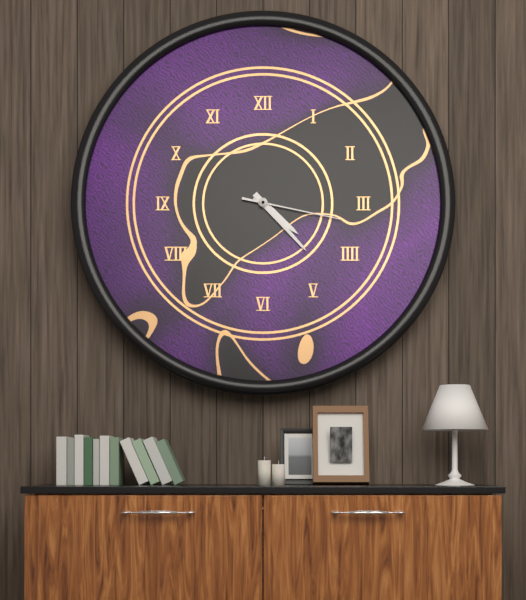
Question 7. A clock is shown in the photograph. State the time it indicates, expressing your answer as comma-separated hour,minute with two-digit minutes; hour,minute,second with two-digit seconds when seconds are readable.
4,23,17
